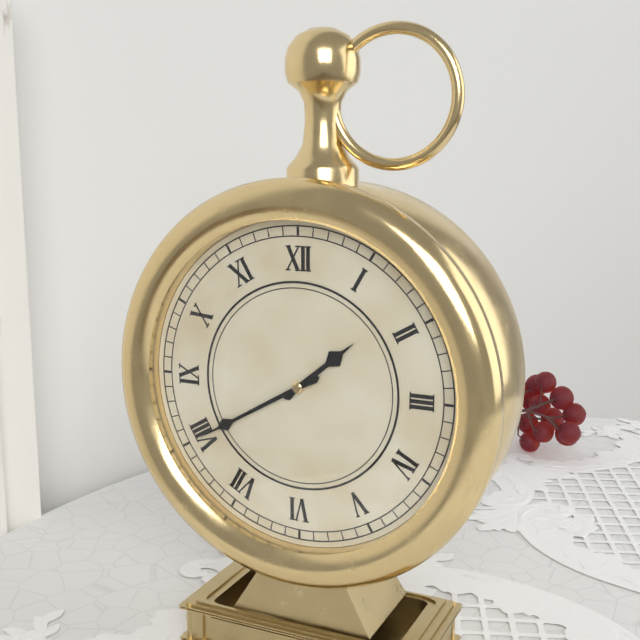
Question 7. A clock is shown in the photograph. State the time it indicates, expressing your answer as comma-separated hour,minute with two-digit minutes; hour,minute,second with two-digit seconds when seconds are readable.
1,40
